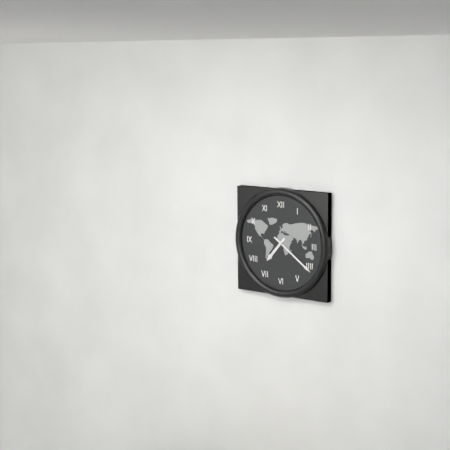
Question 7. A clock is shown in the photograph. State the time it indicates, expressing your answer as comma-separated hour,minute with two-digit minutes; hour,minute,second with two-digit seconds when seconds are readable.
7,21
